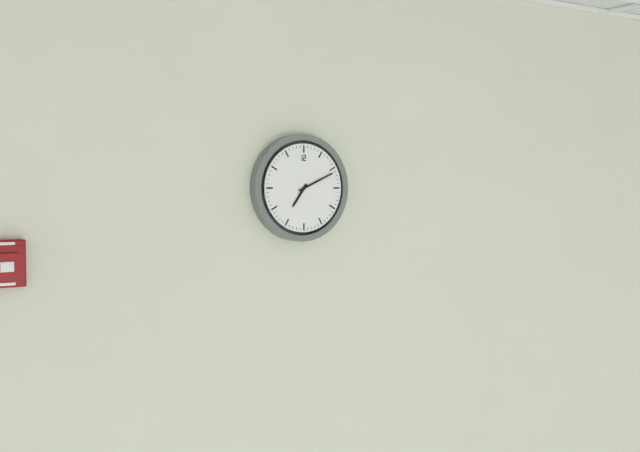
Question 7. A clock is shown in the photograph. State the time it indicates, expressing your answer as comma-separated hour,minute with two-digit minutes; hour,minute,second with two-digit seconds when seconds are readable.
7,11
